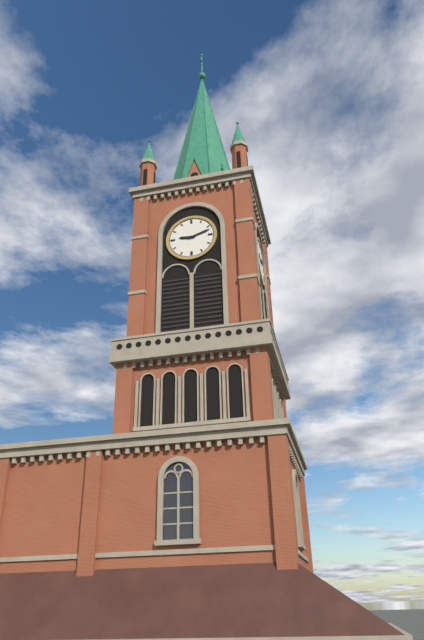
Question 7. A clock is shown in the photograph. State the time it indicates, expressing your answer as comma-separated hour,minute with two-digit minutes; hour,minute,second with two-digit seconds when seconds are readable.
9,12
